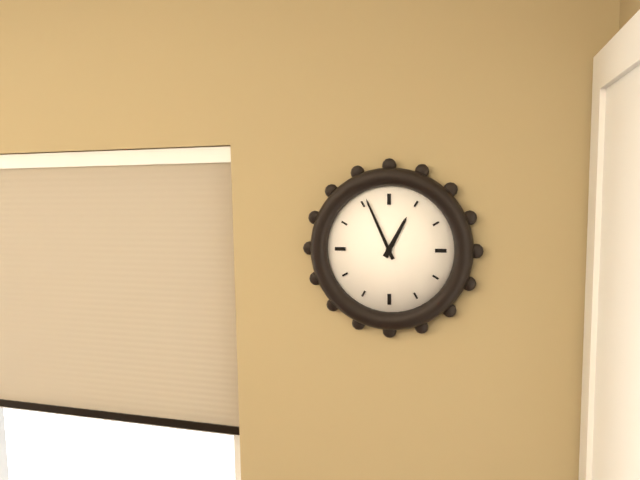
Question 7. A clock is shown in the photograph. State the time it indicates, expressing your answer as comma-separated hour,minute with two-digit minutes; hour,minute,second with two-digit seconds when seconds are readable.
12,56
